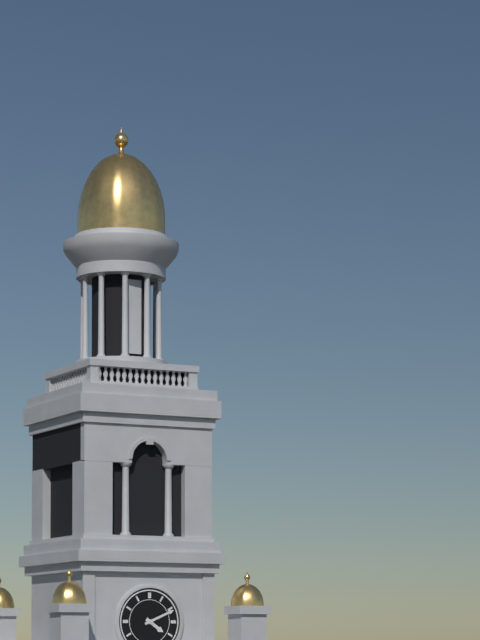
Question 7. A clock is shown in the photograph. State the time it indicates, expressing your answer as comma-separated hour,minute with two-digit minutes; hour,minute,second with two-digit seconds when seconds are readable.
4,11
